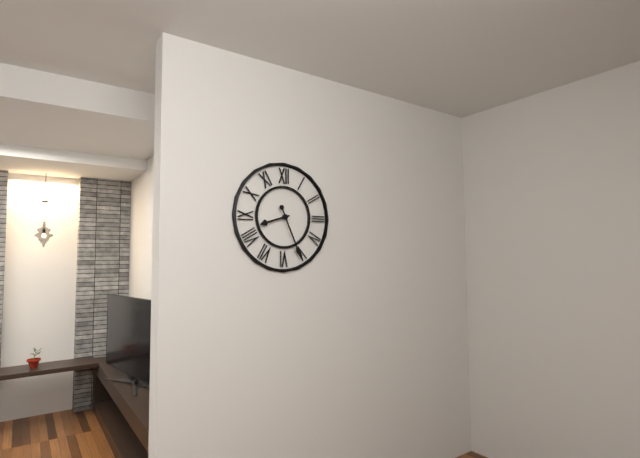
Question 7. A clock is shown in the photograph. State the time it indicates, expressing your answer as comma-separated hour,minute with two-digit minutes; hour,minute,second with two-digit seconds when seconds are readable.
8,26
